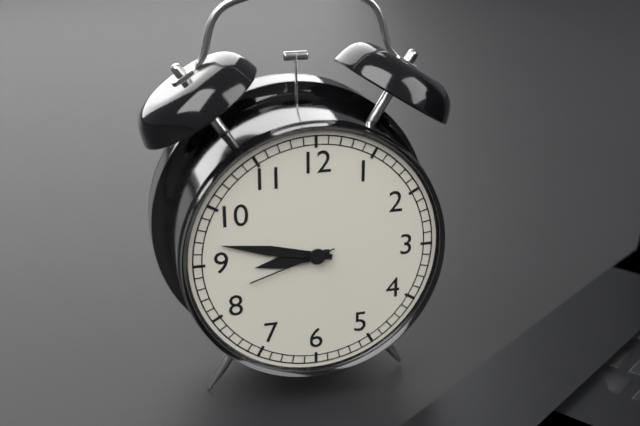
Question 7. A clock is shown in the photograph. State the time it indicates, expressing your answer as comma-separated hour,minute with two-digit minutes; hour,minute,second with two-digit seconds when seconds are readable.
8,47,42
